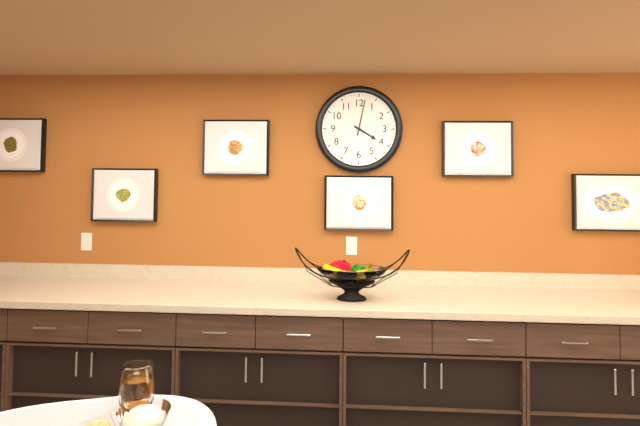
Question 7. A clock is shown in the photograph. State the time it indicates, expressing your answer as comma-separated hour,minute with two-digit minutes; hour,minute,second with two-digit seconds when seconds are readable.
4,02
